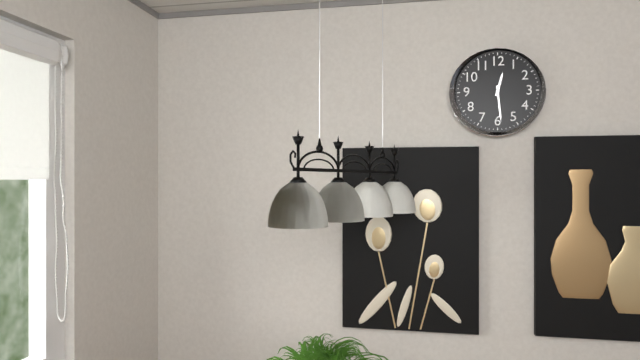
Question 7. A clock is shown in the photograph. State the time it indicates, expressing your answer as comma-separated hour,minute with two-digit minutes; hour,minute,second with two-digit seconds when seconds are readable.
12,29
